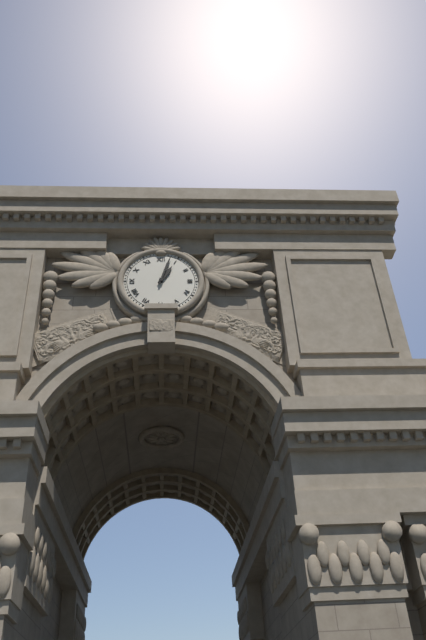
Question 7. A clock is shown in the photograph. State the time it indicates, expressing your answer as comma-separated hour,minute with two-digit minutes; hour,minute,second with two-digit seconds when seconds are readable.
1,03
